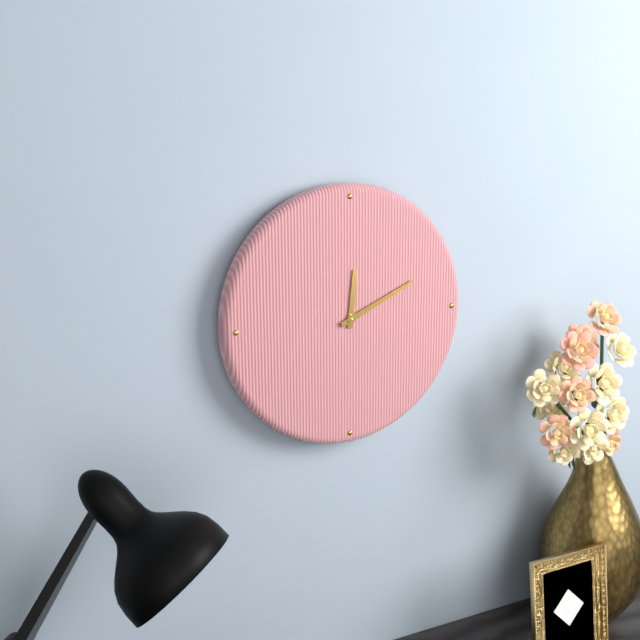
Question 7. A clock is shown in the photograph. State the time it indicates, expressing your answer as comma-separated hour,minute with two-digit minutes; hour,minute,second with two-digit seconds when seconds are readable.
12,11
